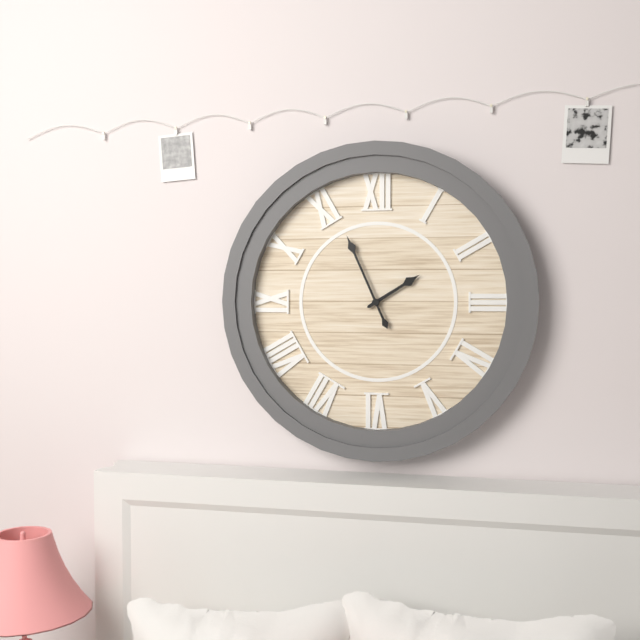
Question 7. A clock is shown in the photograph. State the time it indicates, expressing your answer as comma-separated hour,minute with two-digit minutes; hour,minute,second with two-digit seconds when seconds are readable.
1,56
